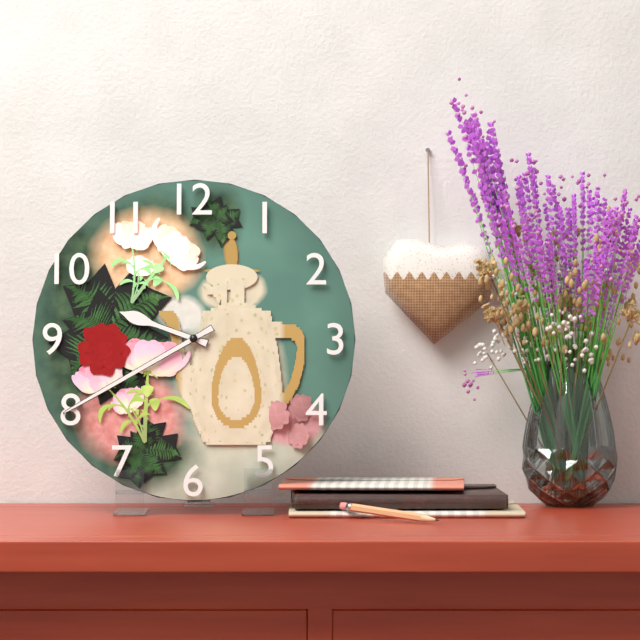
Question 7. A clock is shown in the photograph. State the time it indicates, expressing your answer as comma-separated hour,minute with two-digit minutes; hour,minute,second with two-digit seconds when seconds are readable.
9,40
